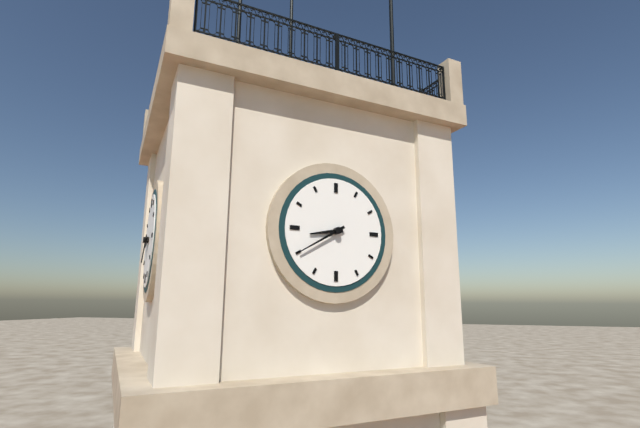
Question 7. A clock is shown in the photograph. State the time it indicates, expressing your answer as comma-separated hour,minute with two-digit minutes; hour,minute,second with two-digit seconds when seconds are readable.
8,40
